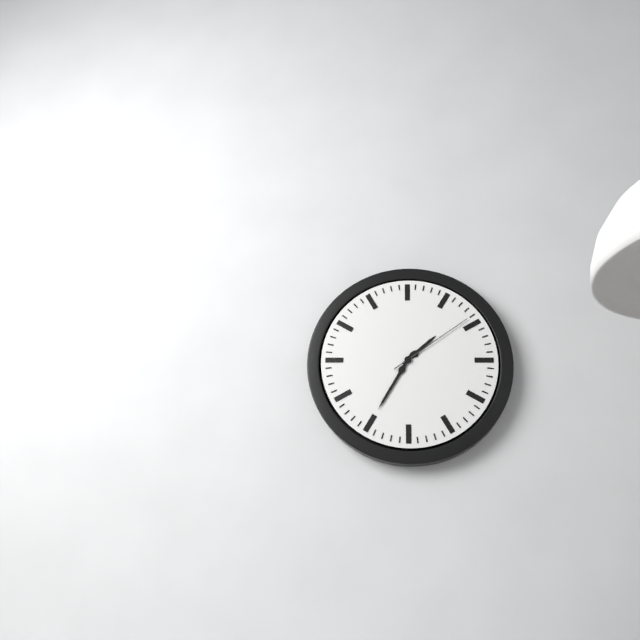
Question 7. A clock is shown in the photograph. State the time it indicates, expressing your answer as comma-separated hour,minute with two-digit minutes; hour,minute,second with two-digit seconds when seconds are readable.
1,35,09
